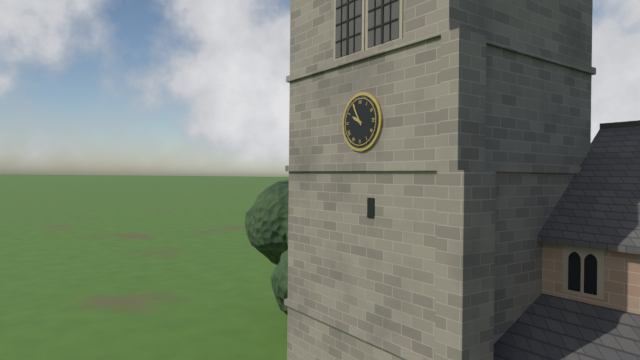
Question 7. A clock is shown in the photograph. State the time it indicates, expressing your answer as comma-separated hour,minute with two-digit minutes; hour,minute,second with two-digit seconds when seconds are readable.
9,55
